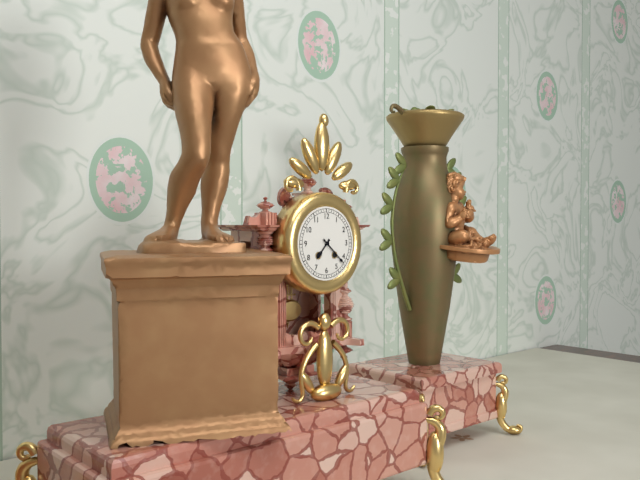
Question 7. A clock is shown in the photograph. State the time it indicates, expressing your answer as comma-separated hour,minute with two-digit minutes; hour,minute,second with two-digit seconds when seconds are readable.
7,22
